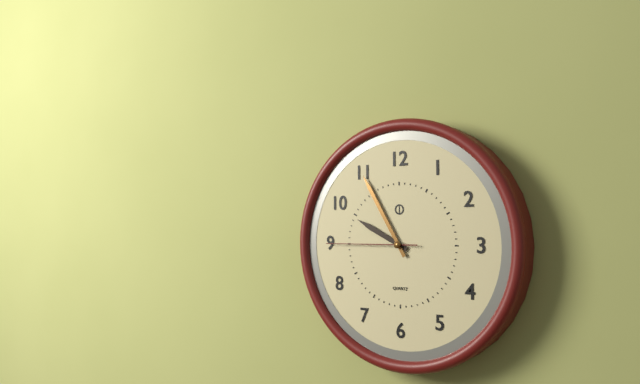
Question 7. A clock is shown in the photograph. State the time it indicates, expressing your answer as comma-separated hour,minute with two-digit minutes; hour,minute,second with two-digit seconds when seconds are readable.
9,55,45
